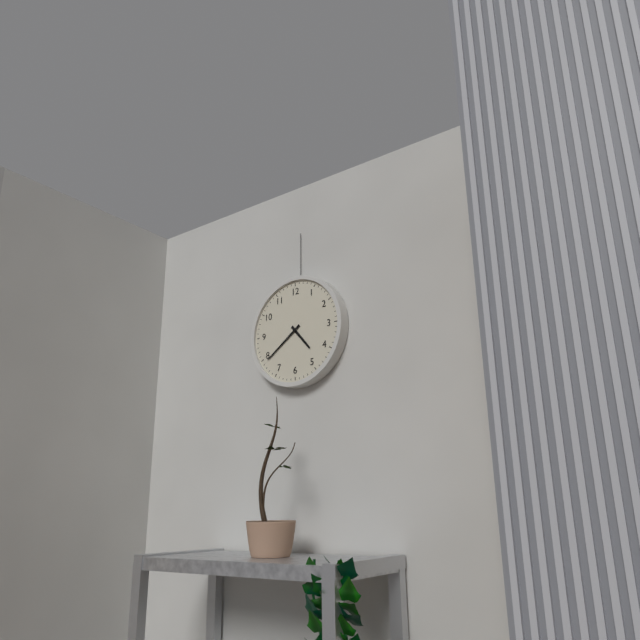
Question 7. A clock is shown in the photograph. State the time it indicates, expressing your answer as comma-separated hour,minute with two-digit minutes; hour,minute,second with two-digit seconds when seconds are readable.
4,39
